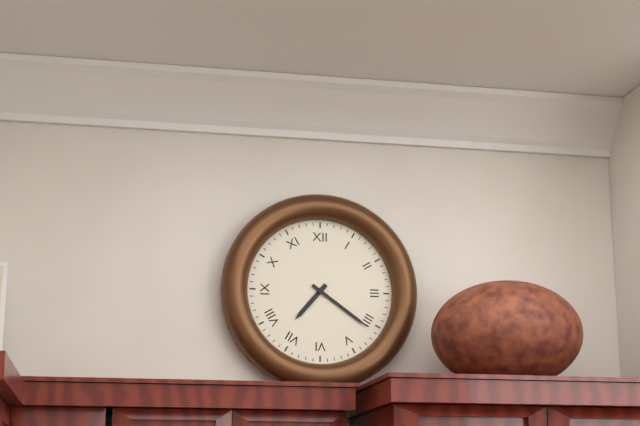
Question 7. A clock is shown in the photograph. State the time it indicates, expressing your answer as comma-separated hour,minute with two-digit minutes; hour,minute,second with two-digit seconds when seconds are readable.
7,21
